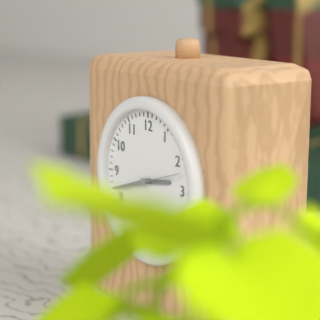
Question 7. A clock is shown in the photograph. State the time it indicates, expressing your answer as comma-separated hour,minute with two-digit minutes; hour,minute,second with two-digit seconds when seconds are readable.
2,42
